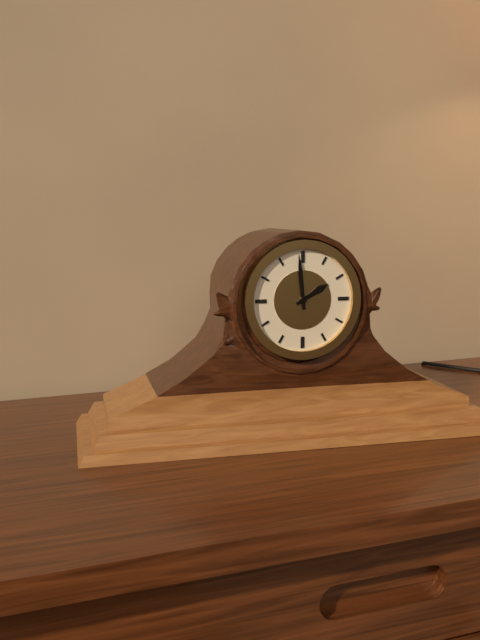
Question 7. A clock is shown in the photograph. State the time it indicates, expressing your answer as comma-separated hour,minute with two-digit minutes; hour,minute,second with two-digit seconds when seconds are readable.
1,59
